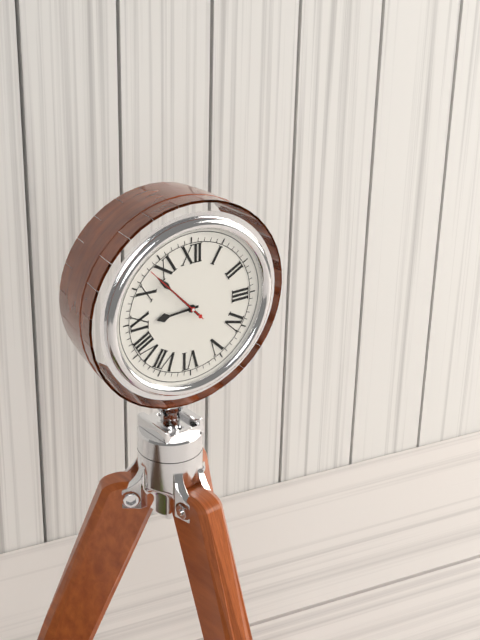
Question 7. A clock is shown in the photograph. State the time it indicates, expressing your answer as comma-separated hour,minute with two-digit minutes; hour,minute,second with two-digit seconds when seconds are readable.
8,53
